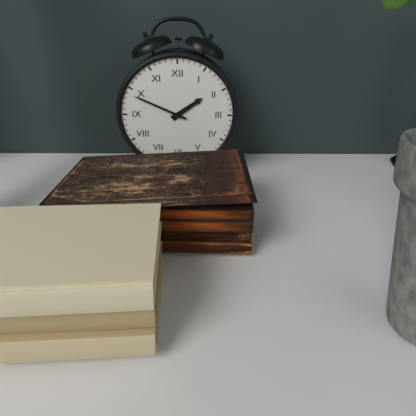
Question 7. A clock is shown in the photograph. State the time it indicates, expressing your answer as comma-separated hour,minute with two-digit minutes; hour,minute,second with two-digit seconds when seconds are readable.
1,49
